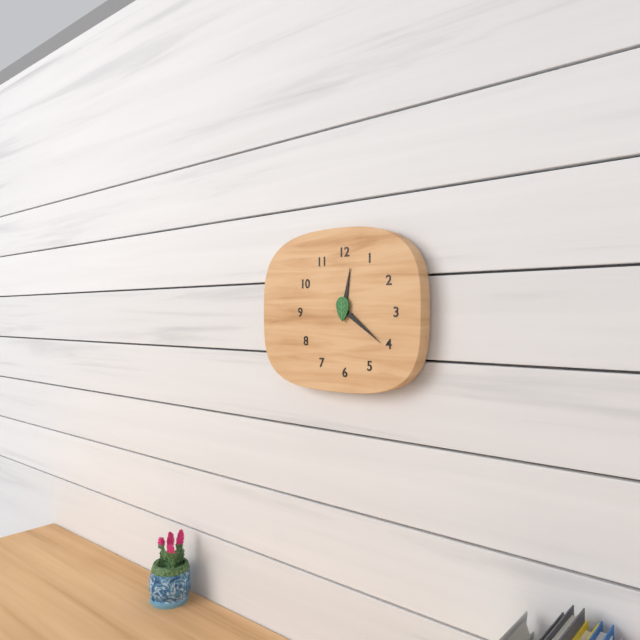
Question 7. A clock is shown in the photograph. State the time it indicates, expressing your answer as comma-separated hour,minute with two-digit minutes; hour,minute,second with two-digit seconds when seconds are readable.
12,21
